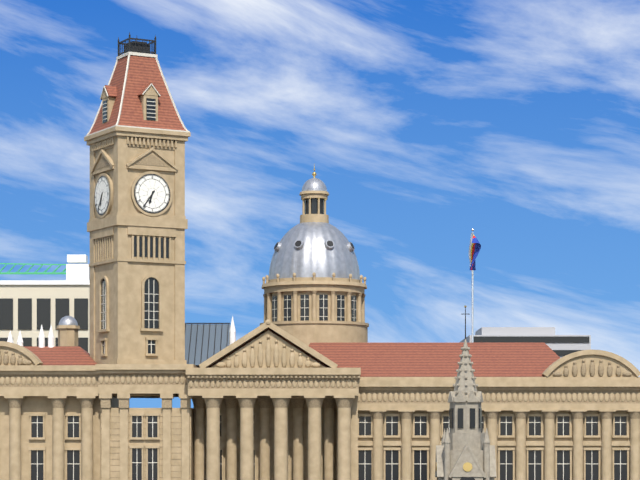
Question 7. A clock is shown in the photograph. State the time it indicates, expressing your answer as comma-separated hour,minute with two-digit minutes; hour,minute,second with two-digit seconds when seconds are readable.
6,36
